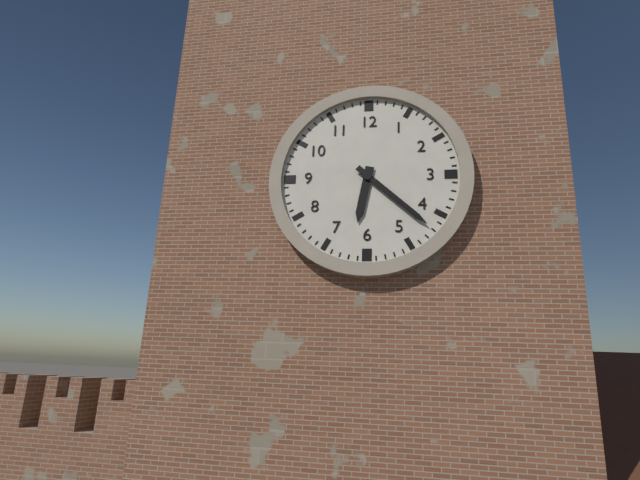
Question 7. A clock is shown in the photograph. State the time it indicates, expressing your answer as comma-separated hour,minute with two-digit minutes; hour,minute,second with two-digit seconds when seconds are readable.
6,22
